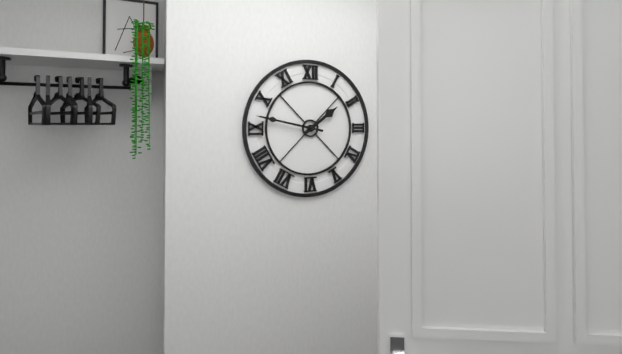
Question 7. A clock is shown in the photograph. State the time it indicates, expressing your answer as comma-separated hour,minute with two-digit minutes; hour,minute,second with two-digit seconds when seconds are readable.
1,47
